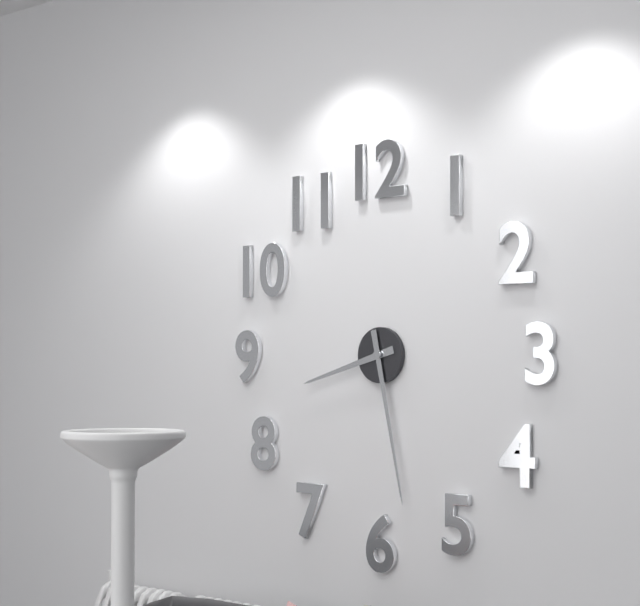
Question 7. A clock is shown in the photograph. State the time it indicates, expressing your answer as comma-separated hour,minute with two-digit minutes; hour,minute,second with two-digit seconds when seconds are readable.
8,28
